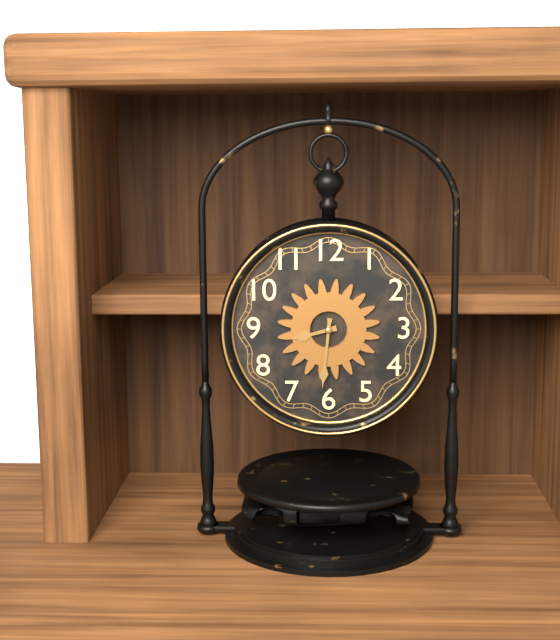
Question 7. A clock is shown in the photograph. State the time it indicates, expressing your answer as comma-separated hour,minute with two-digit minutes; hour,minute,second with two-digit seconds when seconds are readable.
8,31
